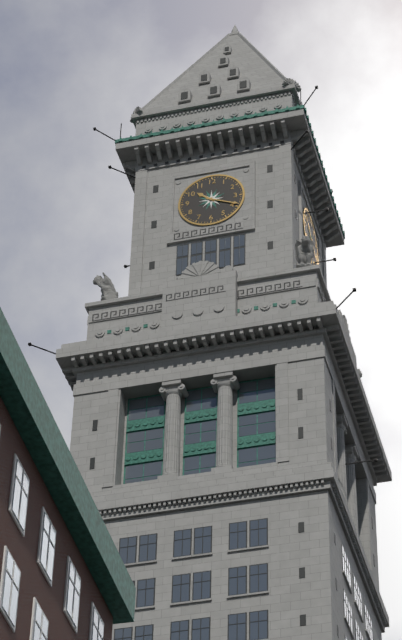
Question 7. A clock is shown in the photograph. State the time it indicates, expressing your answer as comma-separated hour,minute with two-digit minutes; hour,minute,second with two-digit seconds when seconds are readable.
10,19
